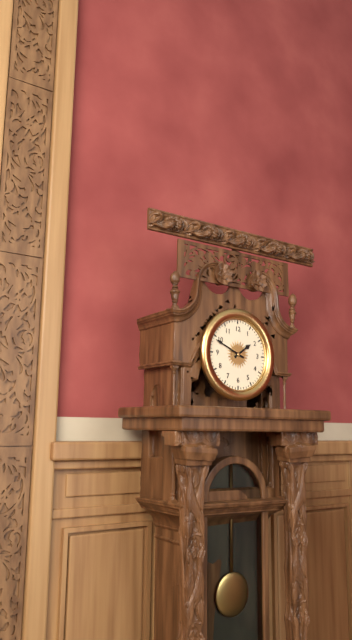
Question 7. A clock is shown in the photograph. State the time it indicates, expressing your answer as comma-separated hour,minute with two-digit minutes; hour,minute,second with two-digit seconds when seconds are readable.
1,49
